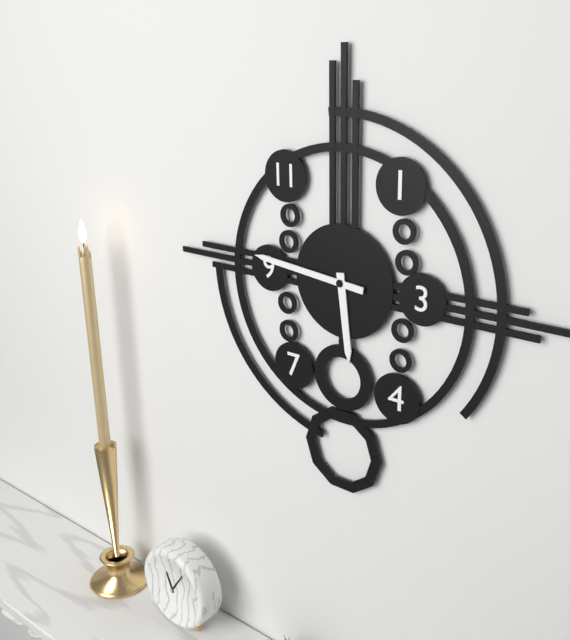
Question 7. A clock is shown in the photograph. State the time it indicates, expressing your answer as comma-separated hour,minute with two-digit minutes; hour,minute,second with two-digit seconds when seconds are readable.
5,46
